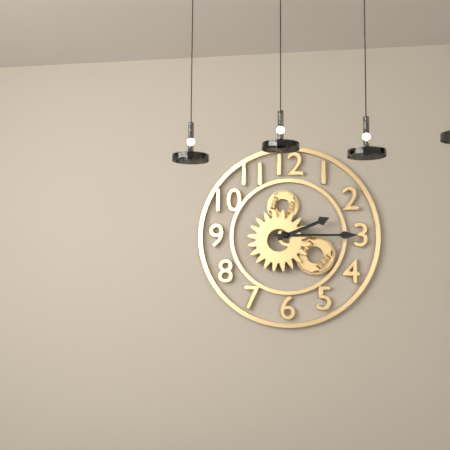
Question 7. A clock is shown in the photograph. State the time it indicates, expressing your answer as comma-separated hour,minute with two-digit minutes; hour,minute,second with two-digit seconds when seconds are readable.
2,15
